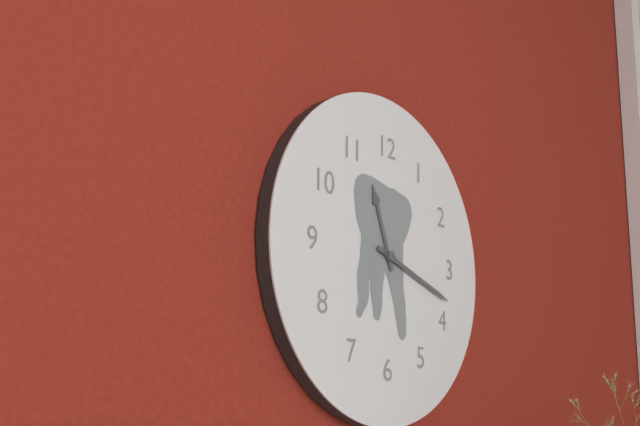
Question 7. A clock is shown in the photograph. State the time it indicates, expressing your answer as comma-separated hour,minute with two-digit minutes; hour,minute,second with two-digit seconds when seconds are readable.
11,18
